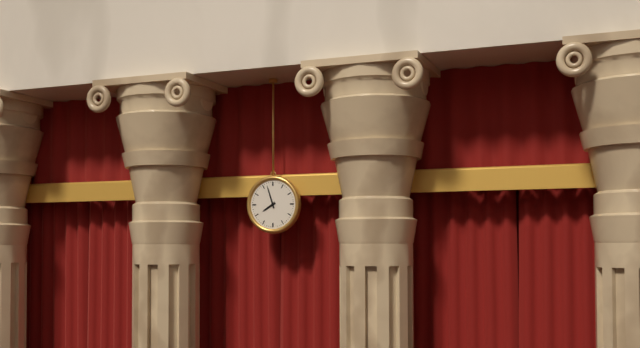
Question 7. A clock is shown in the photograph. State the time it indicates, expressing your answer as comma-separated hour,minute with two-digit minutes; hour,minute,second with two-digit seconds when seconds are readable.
7,57
